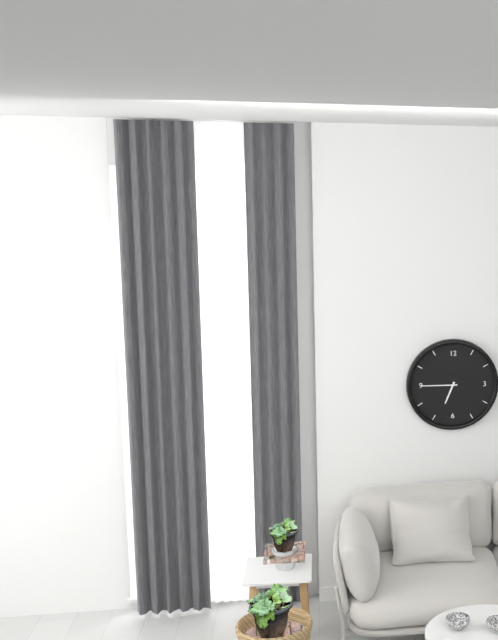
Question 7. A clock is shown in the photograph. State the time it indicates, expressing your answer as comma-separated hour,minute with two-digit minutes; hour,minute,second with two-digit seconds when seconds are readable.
6,45
